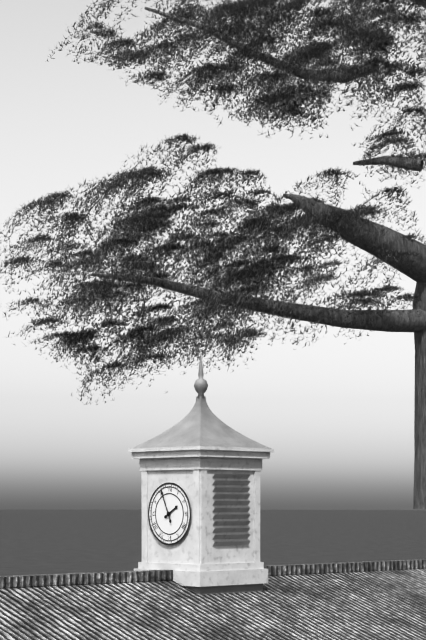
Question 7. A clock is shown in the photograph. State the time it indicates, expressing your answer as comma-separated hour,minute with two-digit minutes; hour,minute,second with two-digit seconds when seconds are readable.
1,56
